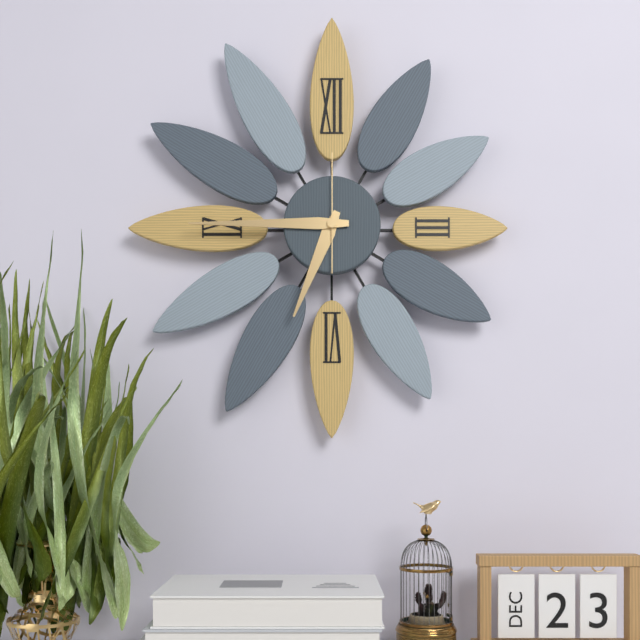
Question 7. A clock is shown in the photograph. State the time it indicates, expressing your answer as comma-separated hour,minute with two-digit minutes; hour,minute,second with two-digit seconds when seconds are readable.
6,45,00
